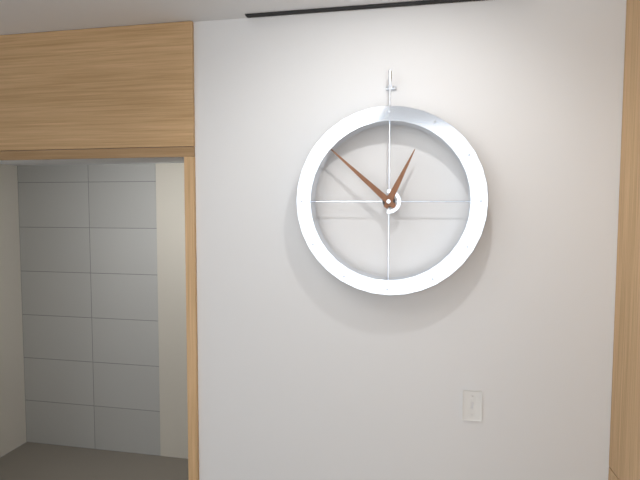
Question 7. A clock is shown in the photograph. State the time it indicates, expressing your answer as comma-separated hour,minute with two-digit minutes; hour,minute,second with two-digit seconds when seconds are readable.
12,52
